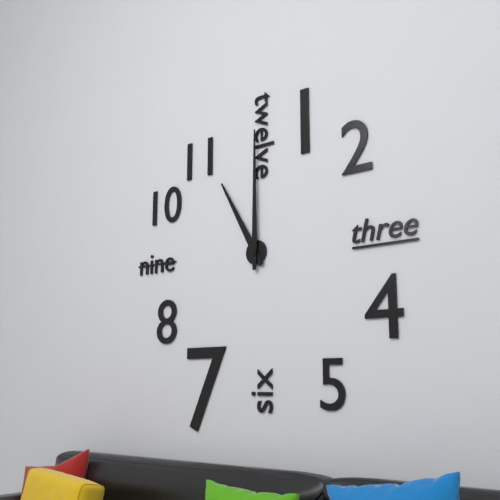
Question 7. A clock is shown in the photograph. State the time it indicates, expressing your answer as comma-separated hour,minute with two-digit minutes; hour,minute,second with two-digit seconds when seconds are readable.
11,00
